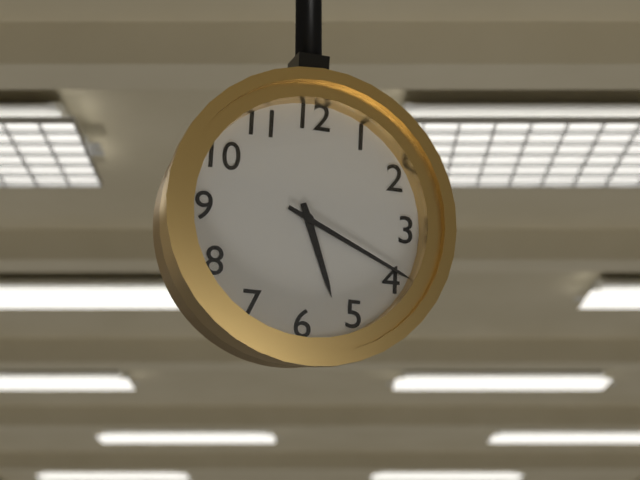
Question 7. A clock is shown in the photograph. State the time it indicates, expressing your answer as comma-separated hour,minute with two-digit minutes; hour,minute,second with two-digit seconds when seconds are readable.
5,19
